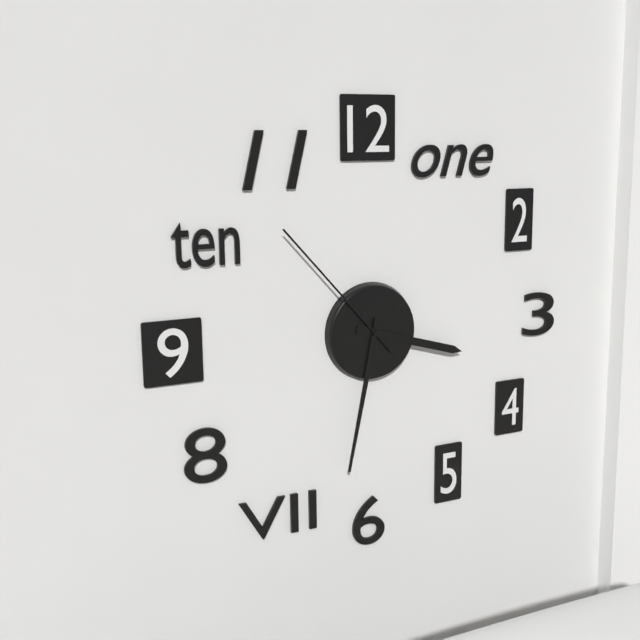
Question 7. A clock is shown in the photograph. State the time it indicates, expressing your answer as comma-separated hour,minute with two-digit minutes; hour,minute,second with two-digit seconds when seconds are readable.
3,32,53
